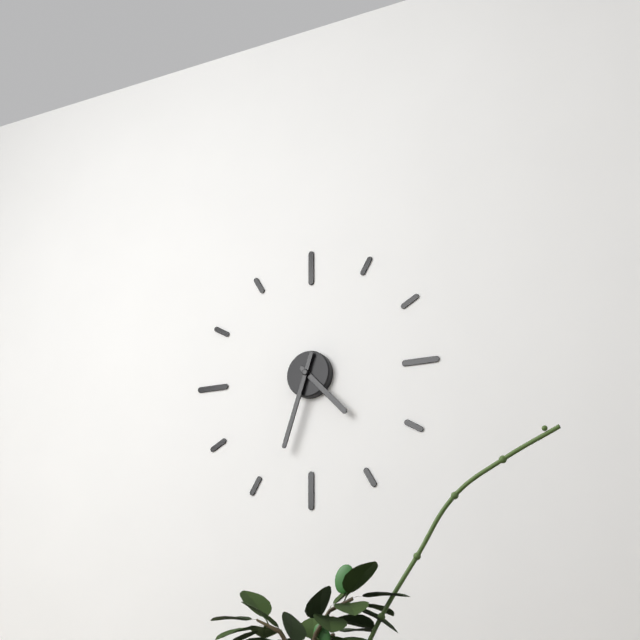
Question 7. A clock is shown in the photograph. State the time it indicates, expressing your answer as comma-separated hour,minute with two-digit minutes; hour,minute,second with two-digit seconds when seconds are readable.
4,33
